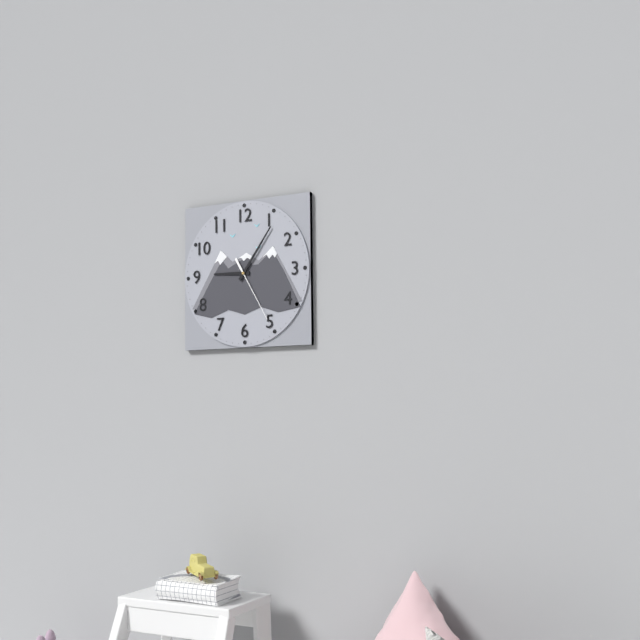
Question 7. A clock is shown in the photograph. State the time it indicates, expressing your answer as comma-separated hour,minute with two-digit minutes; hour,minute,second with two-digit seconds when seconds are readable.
9,06,25
